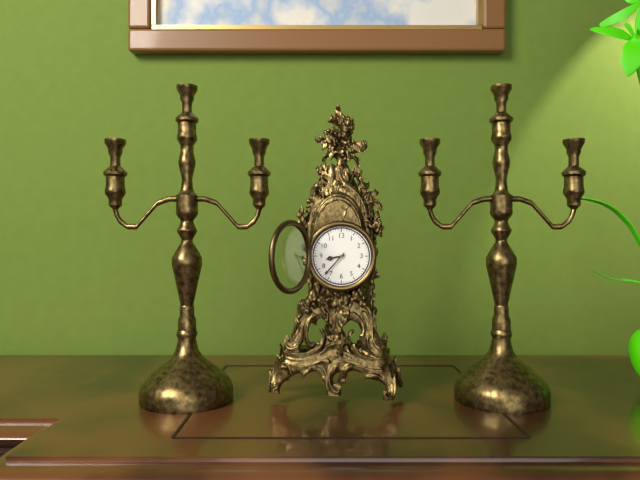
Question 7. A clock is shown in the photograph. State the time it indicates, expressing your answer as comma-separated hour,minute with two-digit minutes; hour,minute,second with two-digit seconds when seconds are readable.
8,37
